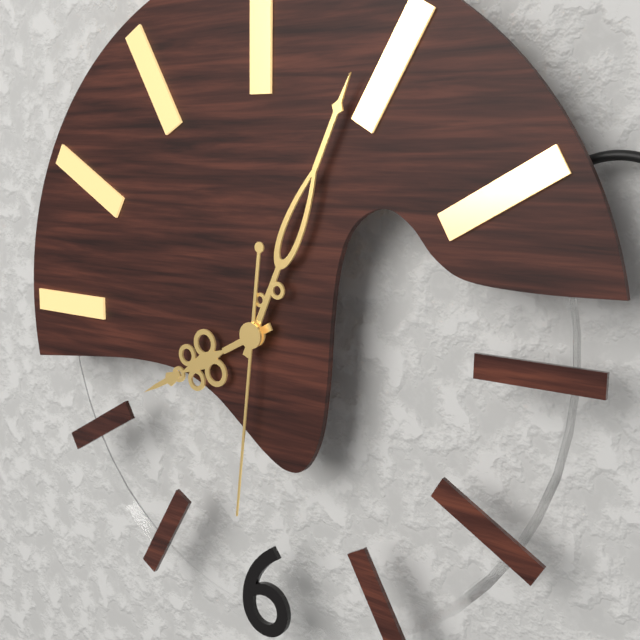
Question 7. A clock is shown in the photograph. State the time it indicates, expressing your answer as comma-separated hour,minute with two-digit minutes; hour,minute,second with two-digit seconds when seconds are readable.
8,04,31
